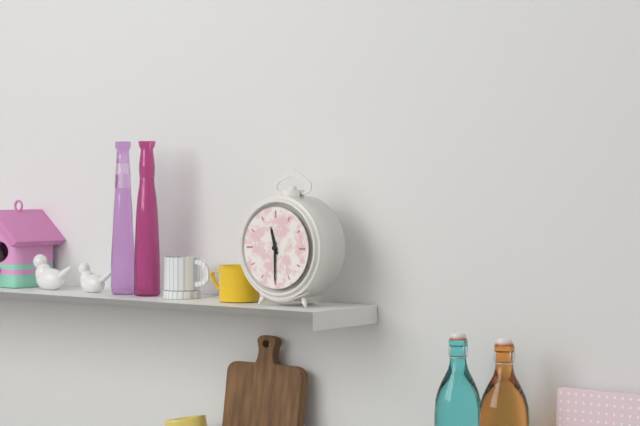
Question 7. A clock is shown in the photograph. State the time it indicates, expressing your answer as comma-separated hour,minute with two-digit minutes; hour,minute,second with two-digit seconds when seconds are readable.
11,30
